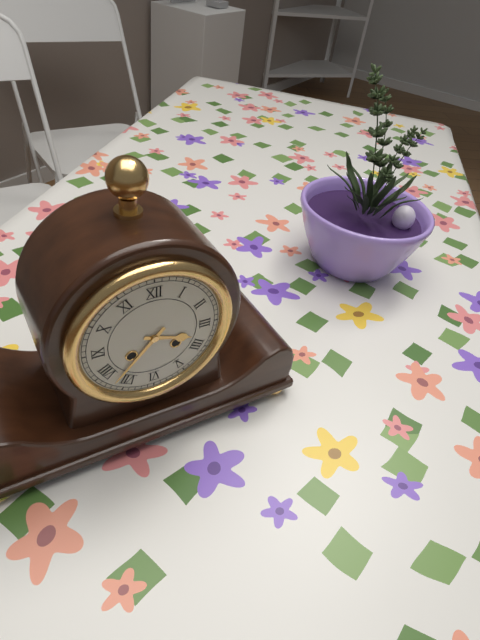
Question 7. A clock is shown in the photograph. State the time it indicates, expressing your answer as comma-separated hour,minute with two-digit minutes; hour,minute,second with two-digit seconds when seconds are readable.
3,37
